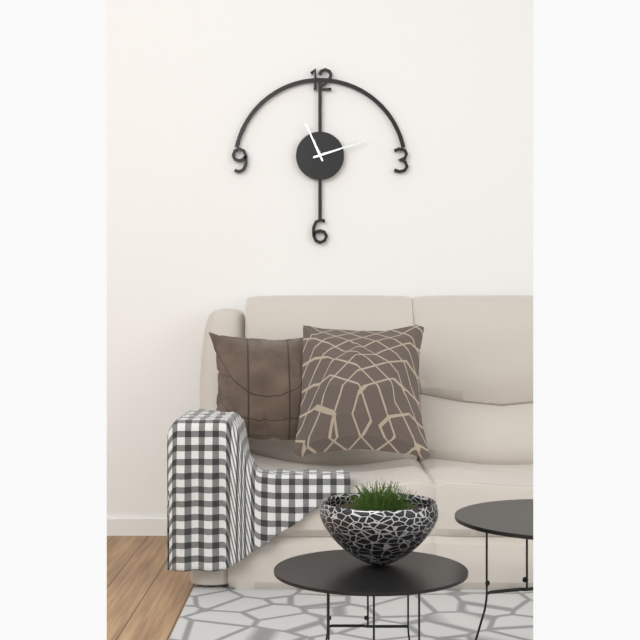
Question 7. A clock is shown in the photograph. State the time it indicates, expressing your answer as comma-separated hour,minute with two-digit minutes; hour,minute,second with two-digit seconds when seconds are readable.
11,12
